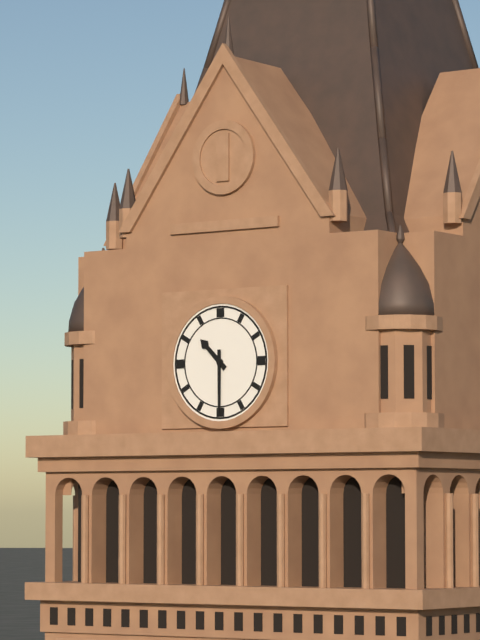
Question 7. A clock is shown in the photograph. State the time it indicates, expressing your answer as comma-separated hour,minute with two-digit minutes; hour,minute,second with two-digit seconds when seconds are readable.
10,30
